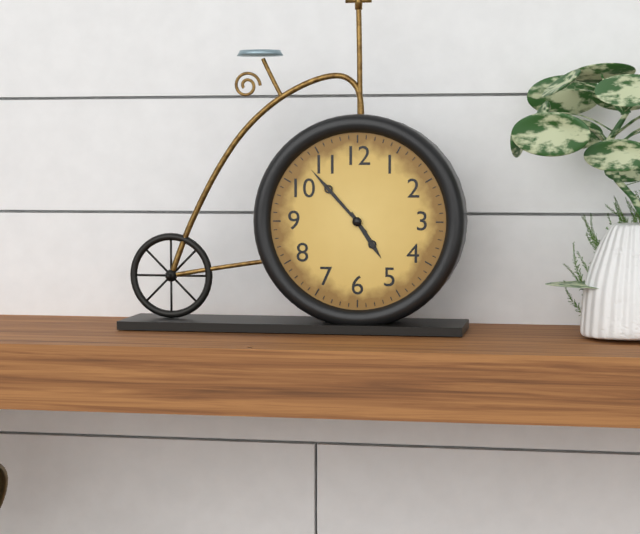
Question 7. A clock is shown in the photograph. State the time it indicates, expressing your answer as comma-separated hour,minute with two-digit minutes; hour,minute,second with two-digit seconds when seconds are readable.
4,53
